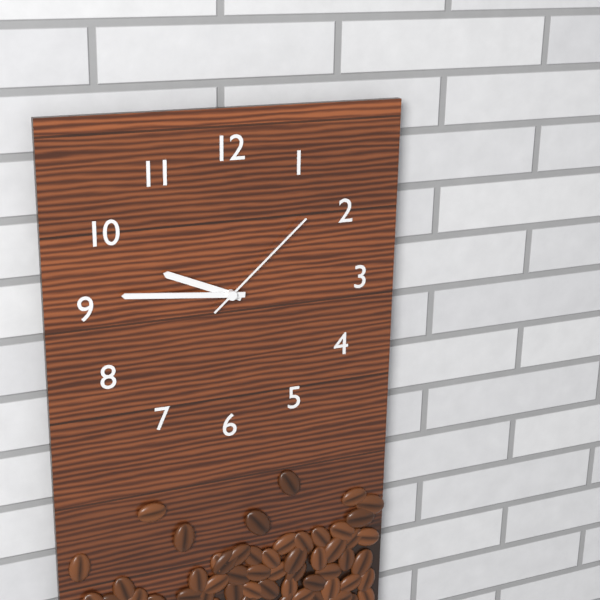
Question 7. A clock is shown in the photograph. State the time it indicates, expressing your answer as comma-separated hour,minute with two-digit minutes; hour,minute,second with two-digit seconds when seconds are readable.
9,46,08
